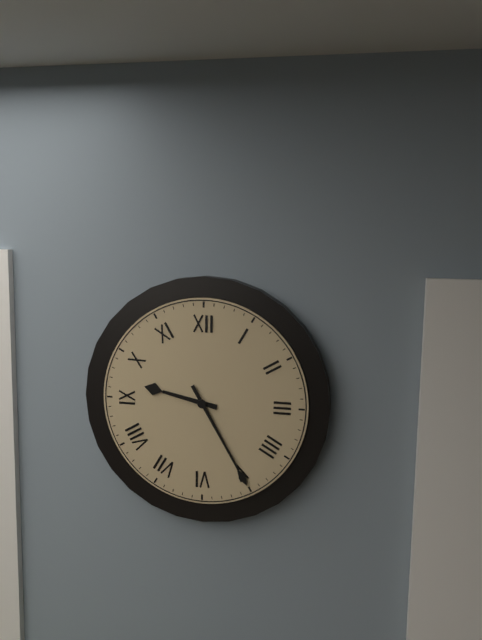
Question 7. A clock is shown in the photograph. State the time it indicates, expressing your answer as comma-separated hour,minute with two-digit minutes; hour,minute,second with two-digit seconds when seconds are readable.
9,25
